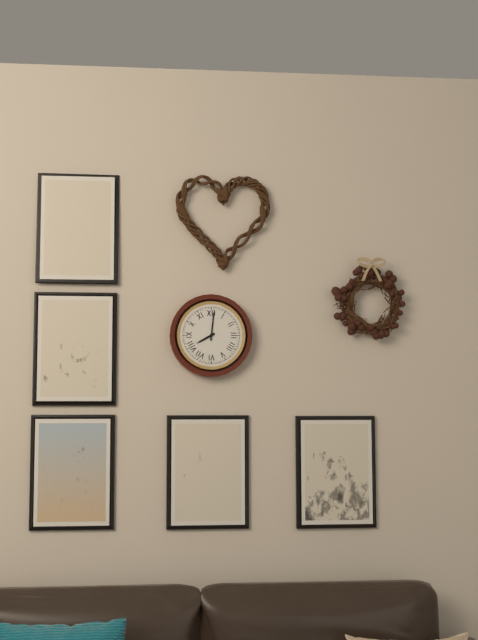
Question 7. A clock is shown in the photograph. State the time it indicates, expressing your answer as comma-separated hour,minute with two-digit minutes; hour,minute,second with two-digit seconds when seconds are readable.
8,01
